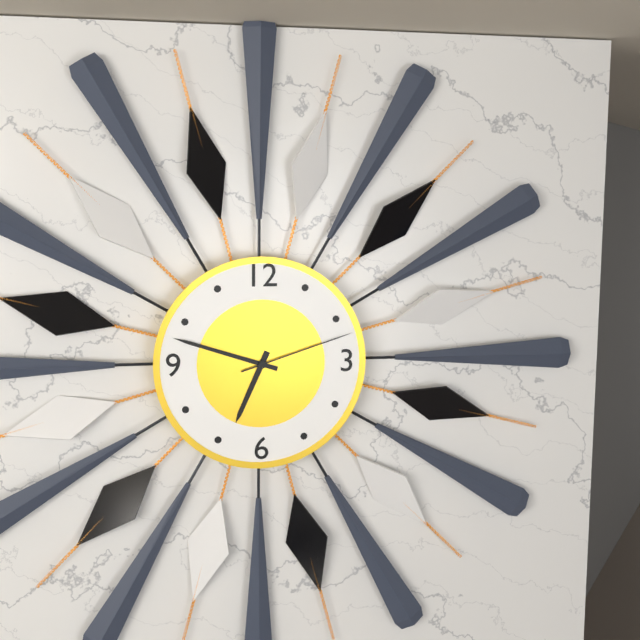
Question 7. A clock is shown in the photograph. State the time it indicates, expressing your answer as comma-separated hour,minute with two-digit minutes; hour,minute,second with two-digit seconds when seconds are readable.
6,48,12
